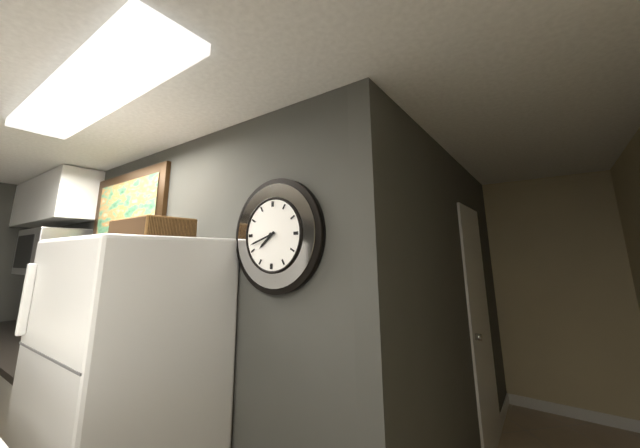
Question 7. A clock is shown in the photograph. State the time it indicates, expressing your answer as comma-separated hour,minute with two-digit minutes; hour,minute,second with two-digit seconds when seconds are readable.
7,42
